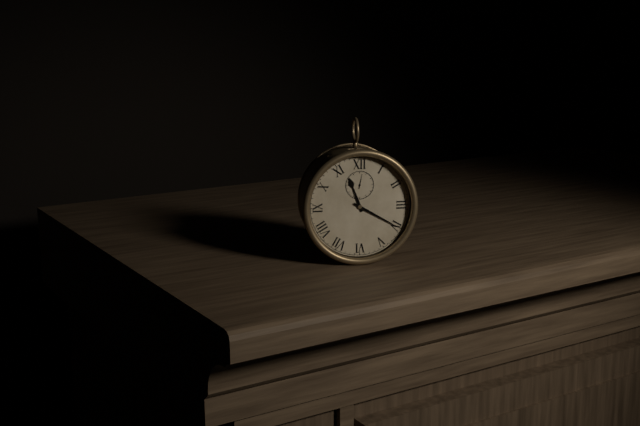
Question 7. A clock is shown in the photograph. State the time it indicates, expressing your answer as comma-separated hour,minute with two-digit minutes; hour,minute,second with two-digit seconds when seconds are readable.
11,20
